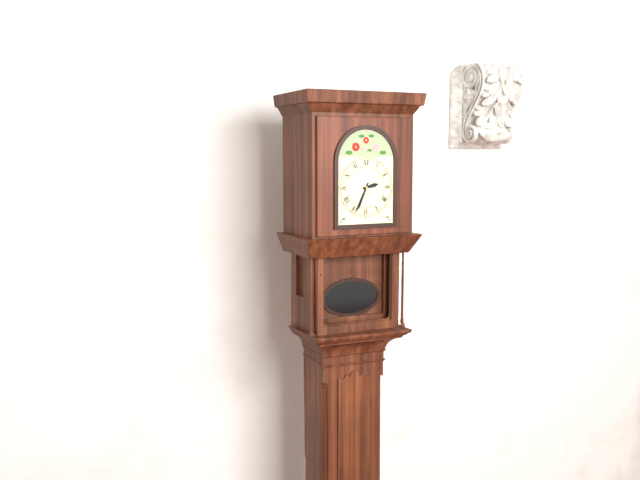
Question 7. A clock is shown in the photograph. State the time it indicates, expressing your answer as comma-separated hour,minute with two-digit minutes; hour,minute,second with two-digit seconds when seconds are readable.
2,34
